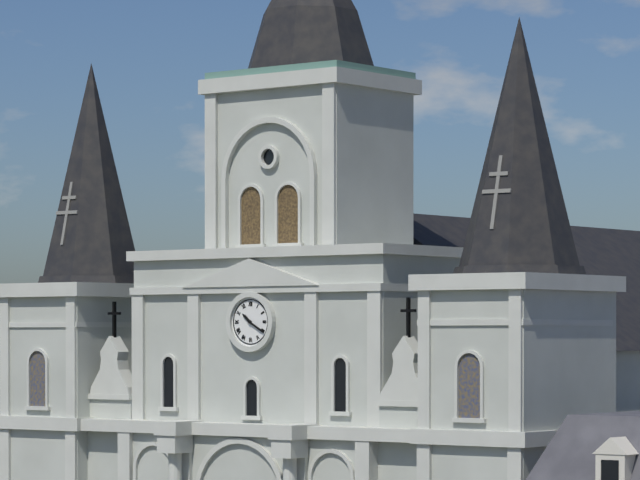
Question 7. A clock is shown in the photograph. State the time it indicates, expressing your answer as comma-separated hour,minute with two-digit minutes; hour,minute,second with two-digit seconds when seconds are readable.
10,20
